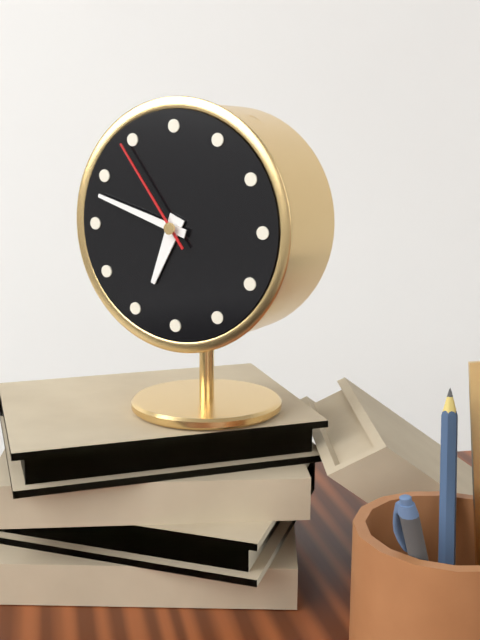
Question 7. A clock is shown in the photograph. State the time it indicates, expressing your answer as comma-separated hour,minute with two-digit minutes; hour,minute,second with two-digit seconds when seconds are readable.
6,48,54
